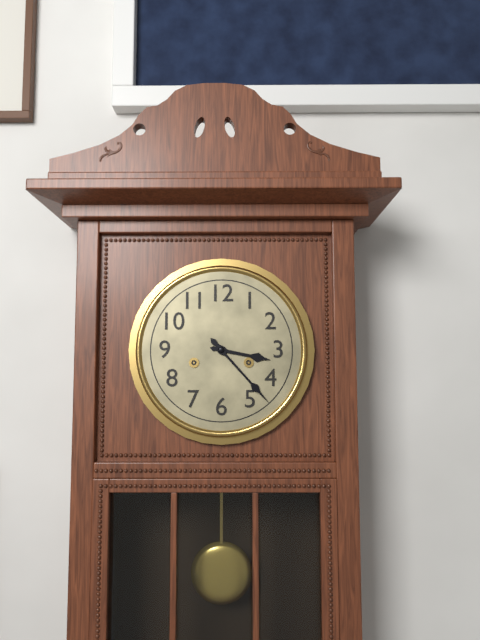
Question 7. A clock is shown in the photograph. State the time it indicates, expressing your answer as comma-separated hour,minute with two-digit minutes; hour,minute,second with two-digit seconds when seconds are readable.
3,23
